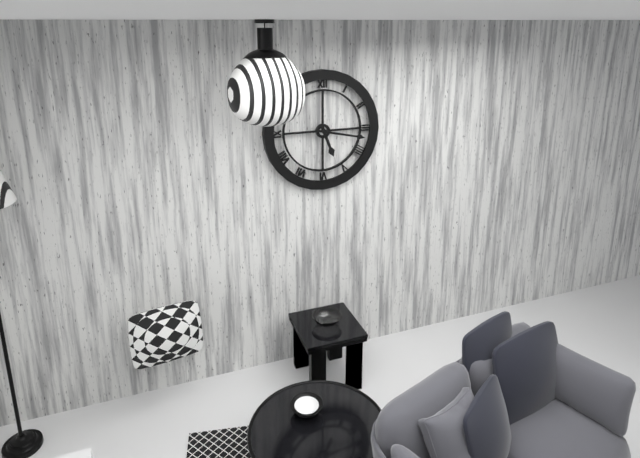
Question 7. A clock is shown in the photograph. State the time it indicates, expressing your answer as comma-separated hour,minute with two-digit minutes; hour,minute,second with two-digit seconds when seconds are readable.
5,17
